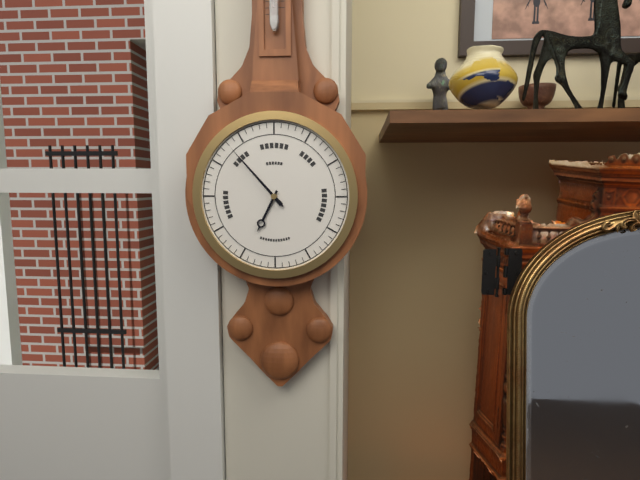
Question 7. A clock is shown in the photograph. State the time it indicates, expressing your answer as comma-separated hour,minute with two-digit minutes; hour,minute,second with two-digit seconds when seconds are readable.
6,53
